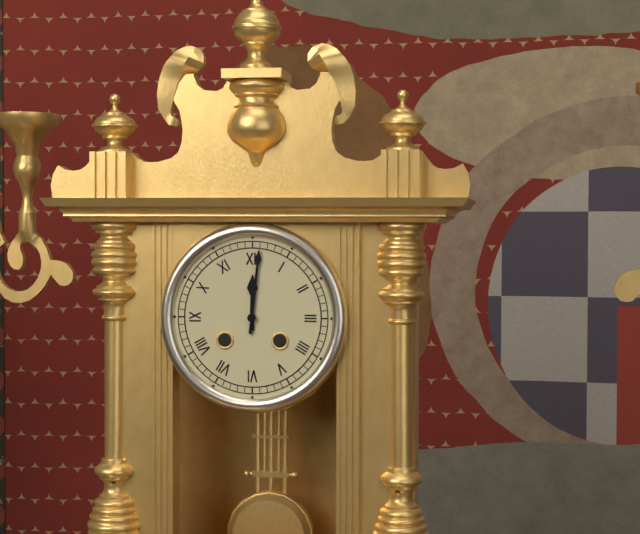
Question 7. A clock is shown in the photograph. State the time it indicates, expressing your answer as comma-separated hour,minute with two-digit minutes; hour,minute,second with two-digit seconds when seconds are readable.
12,01
